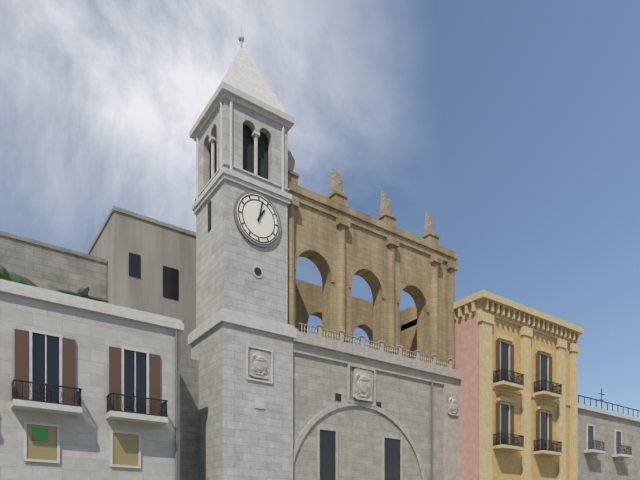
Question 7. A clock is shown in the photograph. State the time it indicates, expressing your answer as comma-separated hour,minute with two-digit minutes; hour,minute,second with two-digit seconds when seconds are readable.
1,02
